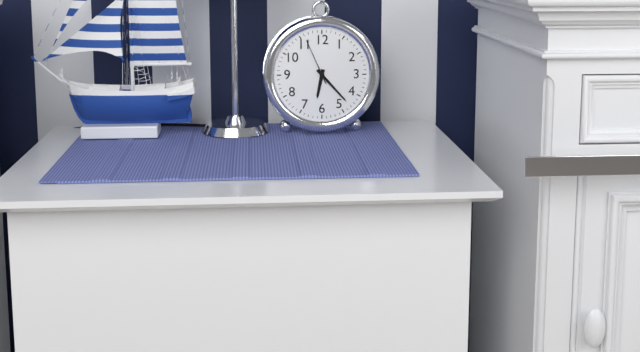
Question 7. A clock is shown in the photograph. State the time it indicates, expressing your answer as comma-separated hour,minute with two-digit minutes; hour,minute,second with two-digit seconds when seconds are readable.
6,23
